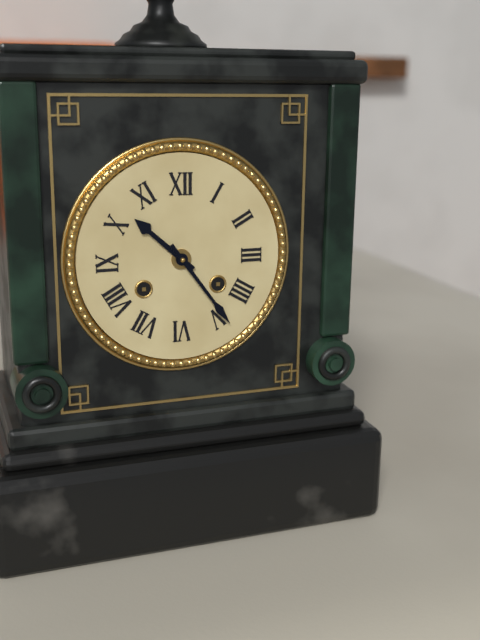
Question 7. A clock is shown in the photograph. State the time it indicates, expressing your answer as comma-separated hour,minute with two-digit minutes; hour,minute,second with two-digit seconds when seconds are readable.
10,24
